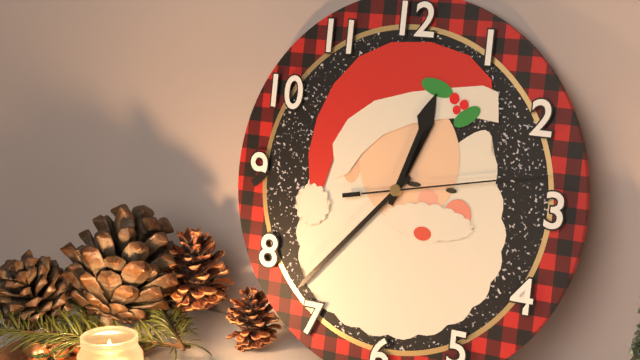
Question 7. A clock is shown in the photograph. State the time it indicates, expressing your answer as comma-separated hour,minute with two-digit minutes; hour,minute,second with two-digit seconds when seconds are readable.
12,37,13
